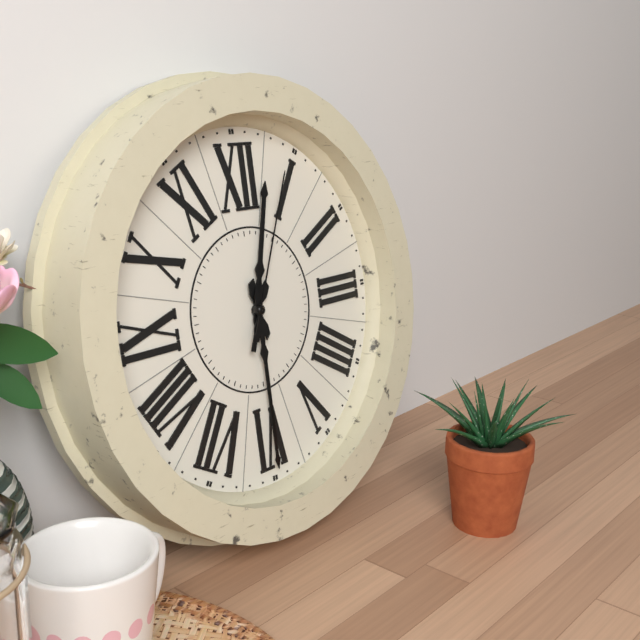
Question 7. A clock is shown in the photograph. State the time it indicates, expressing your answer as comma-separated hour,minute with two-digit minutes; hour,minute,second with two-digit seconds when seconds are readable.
12,30,04
